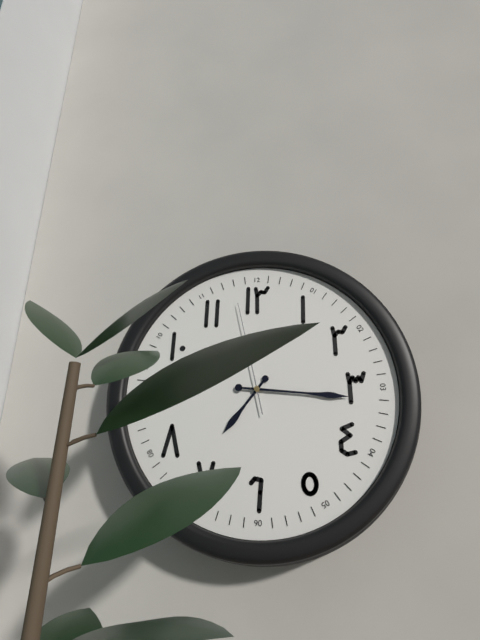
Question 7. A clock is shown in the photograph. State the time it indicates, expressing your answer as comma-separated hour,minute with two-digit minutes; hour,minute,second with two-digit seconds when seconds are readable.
7,16,58
